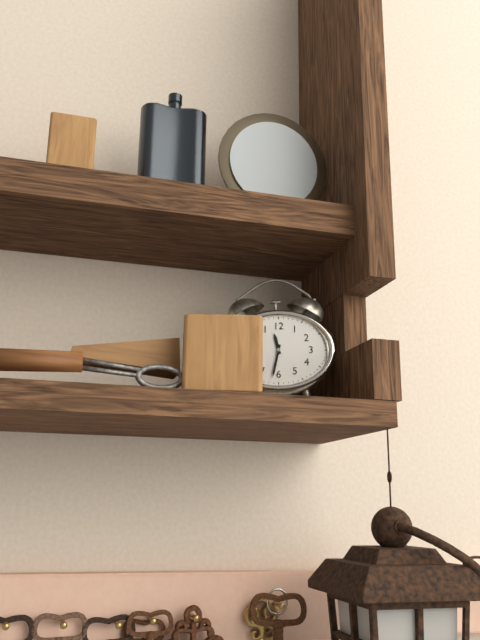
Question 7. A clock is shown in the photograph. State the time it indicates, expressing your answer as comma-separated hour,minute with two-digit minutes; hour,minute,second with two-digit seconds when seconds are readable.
11,32
